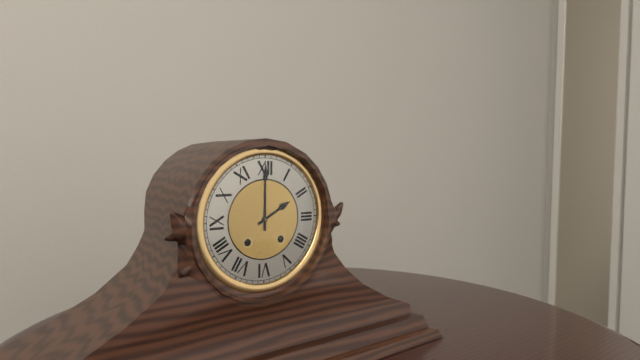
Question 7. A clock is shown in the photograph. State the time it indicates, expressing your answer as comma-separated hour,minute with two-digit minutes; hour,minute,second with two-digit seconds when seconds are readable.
2,00
